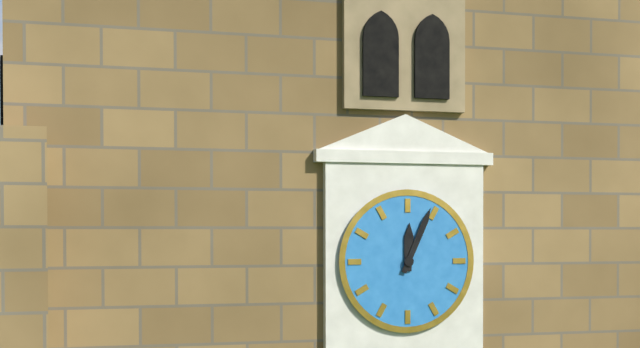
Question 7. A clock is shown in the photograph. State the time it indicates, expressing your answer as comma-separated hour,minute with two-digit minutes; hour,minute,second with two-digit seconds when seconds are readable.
12,04
